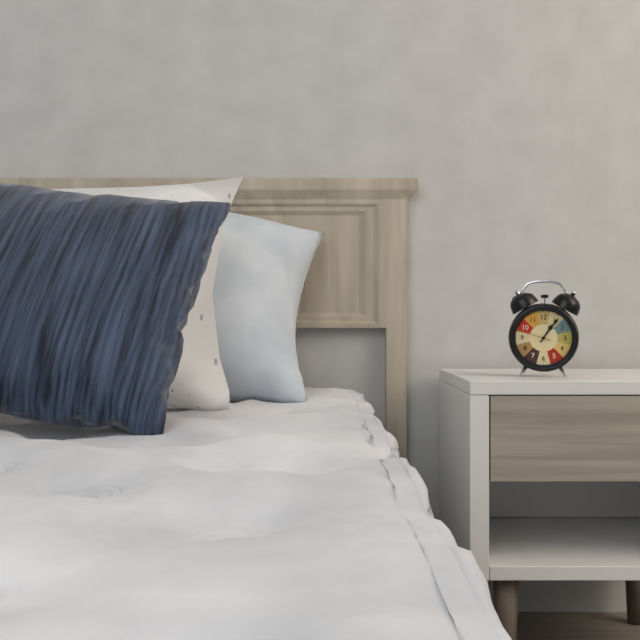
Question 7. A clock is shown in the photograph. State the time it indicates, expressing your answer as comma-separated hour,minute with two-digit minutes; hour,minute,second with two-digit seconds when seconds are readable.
1,06
